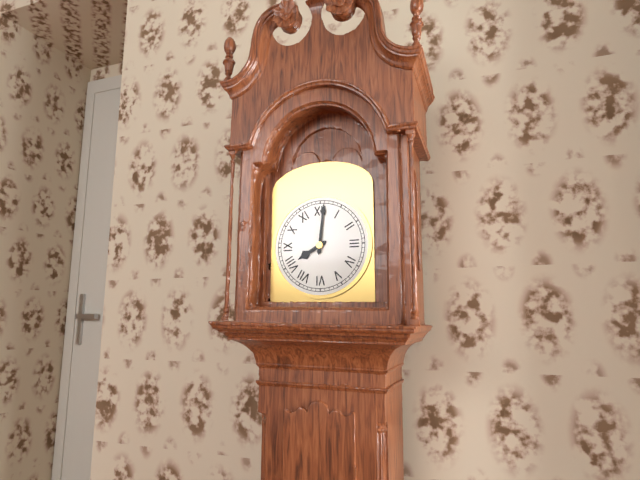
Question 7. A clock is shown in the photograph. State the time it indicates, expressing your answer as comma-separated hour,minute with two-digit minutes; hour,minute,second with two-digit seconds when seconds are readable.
8,01
